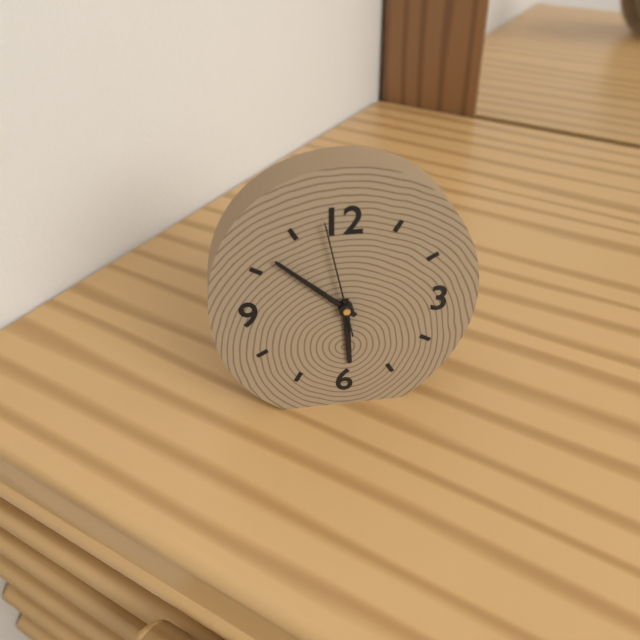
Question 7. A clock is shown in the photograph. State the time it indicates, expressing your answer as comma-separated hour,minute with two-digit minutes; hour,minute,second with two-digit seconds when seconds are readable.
5,52,58
